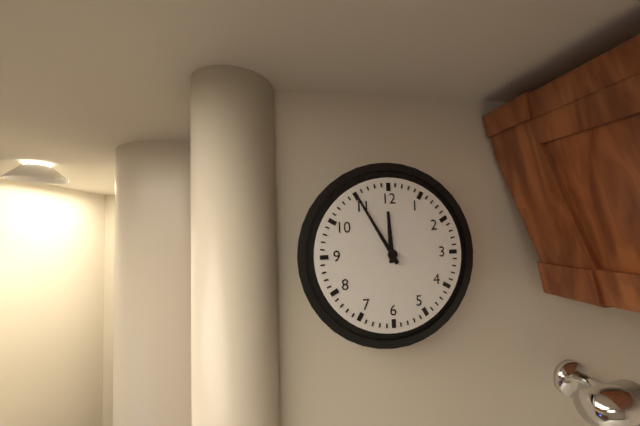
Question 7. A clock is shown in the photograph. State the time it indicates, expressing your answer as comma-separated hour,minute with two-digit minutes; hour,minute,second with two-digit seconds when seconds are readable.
11,55
